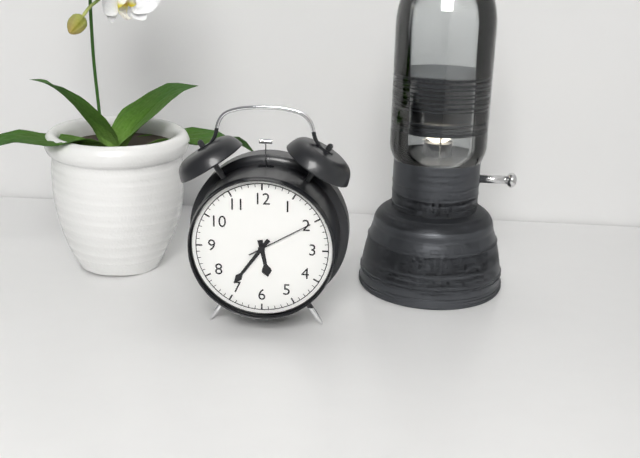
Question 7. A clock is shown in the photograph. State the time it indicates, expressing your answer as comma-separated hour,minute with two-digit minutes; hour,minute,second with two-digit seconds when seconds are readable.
5,36,10
